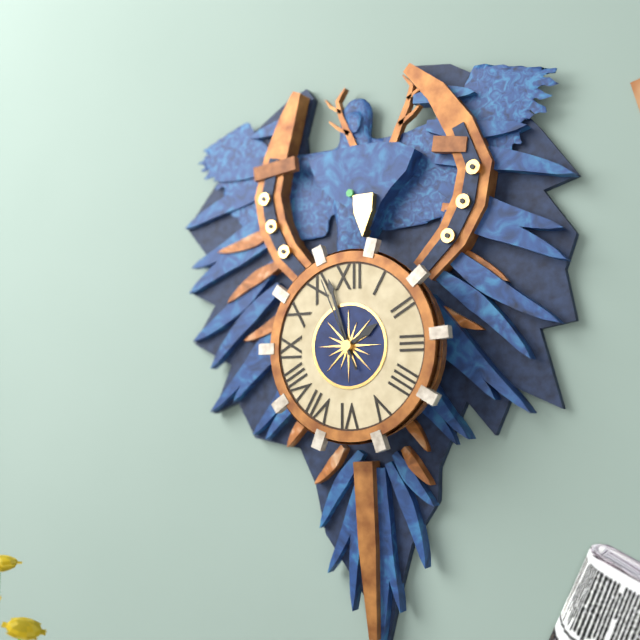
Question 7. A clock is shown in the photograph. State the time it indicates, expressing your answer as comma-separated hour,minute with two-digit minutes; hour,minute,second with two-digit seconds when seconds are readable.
1,57,56
